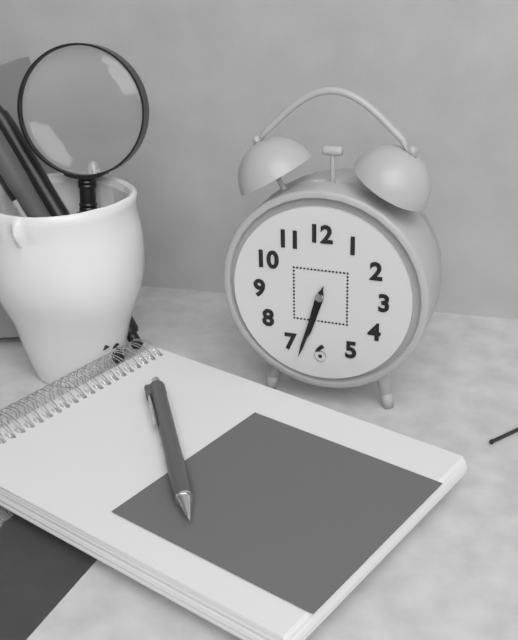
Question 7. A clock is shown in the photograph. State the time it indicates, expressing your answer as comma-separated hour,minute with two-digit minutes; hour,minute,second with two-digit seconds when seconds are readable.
6,33
